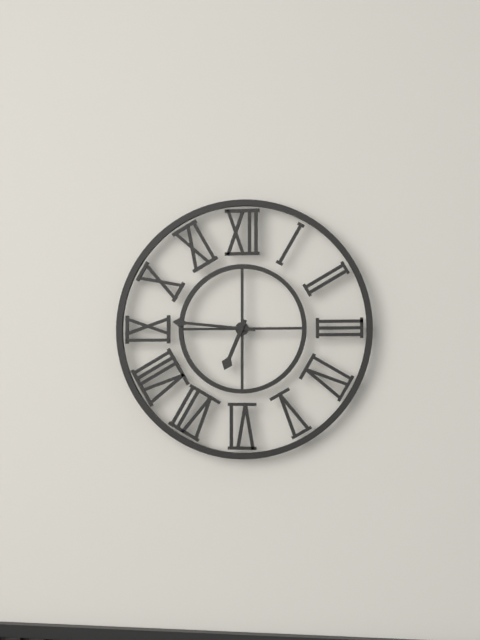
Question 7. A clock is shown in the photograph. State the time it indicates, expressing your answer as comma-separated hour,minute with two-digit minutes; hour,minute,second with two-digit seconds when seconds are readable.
6,46
